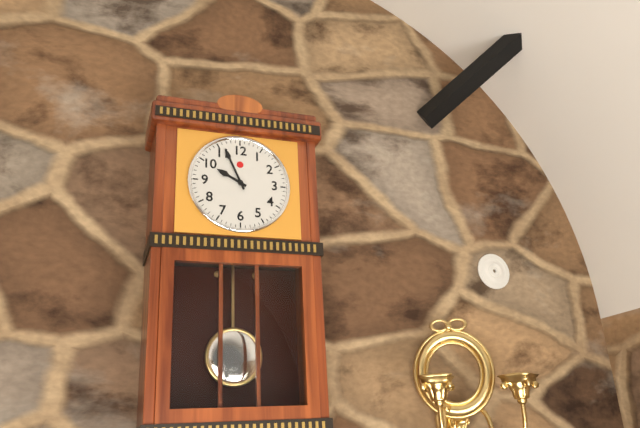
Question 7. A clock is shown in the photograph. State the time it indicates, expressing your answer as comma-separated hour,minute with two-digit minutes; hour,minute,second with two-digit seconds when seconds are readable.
9,56
